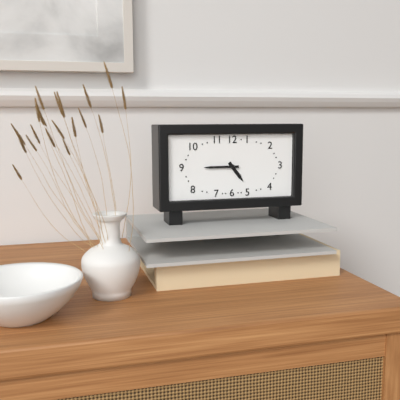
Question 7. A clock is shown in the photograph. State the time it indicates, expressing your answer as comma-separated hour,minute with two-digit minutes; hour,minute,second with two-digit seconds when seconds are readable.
4,45
